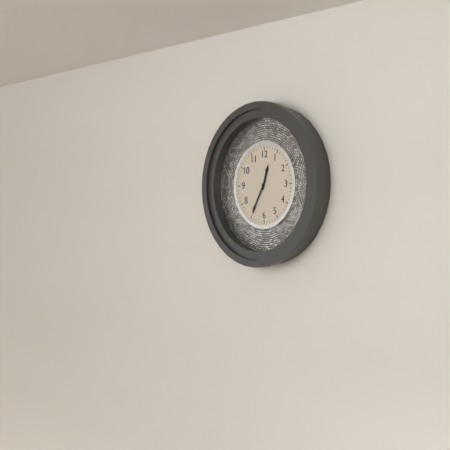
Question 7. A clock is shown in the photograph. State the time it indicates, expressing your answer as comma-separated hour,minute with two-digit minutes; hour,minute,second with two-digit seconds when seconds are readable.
12,35
